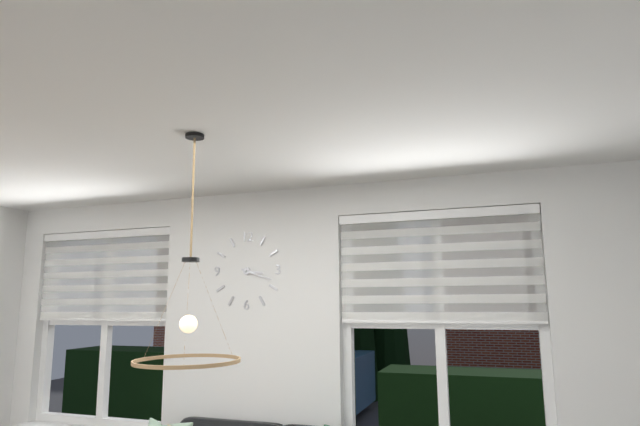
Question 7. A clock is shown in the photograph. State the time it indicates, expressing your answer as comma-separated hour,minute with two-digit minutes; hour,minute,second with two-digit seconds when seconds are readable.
3,18
